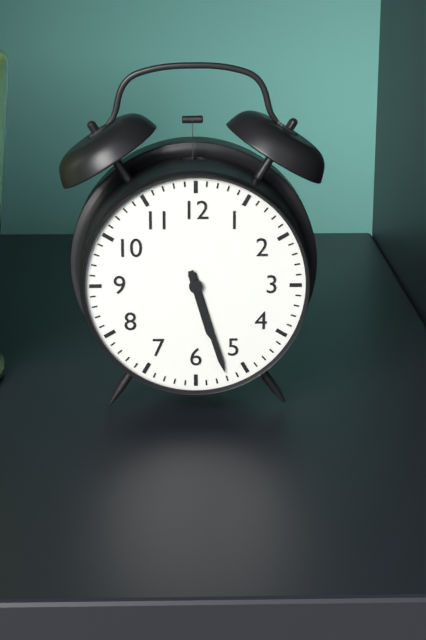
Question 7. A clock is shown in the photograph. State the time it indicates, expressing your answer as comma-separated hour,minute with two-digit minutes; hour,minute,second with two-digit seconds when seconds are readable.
5,27
